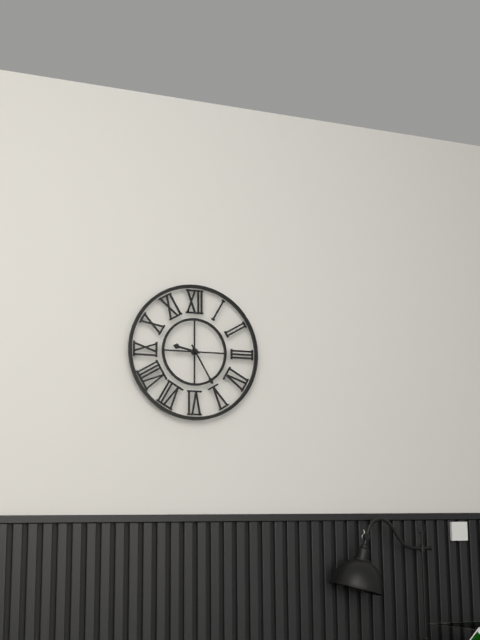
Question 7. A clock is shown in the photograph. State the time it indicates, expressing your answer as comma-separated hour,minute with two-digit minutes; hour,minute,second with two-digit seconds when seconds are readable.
9,25
